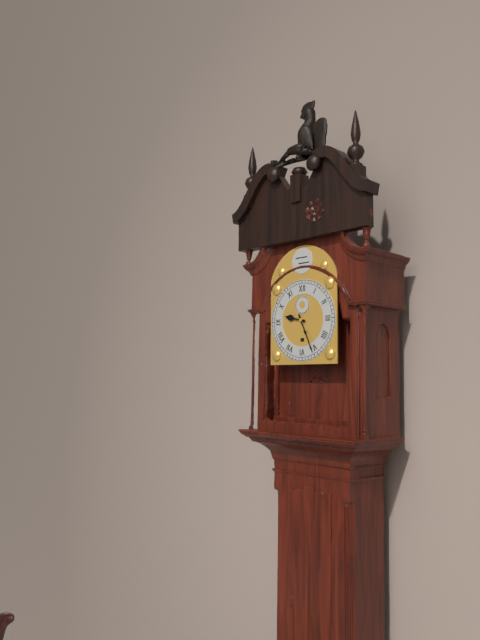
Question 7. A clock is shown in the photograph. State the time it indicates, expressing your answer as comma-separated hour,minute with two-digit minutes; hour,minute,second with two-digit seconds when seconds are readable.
9,26
